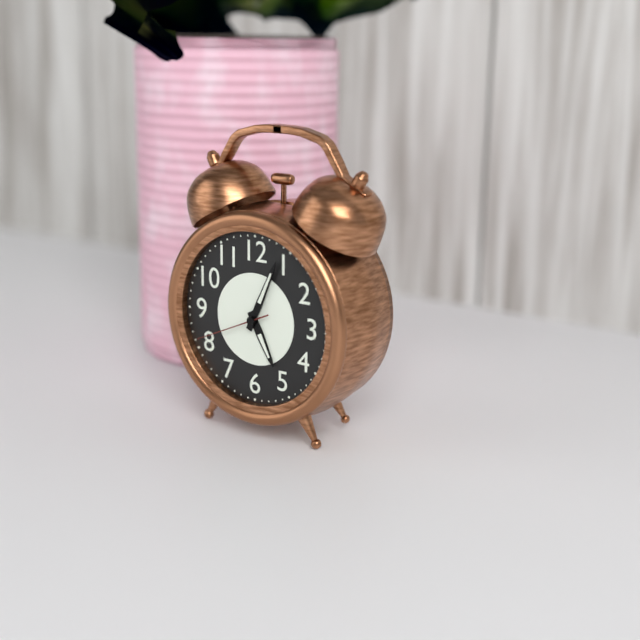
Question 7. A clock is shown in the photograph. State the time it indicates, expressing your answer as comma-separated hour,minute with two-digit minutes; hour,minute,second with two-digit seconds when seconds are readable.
5,04,41
